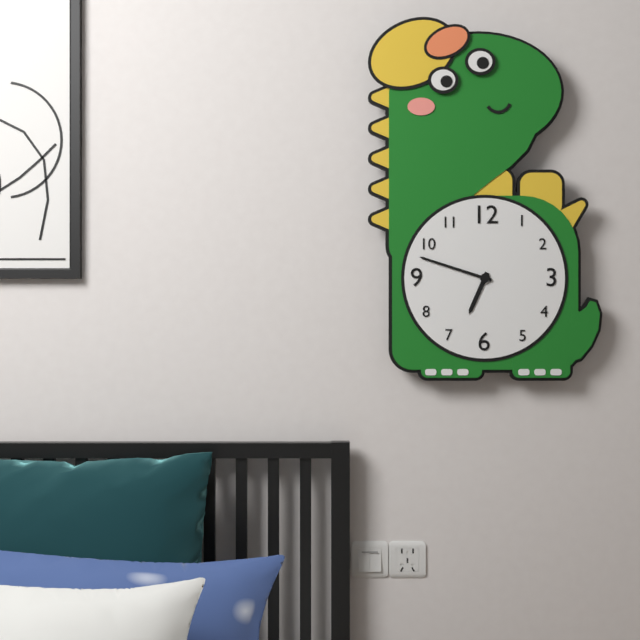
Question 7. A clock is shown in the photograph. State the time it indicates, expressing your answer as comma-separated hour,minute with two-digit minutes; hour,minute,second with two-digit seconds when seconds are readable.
6,48
